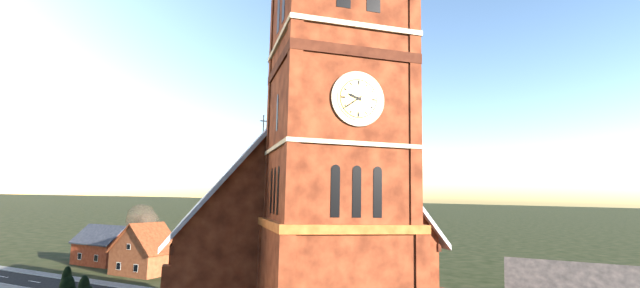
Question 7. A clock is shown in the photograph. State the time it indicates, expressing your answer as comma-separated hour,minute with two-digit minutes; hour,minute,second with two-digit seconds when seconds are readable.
9,39
